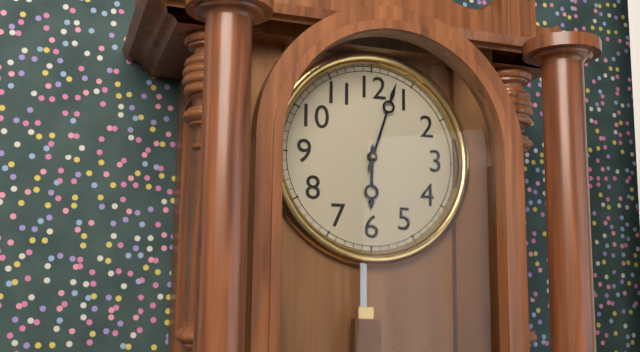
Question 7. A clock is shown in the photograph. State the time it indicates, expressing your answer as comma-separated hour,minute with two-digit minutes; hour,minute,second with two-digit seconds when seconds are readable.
6,03
